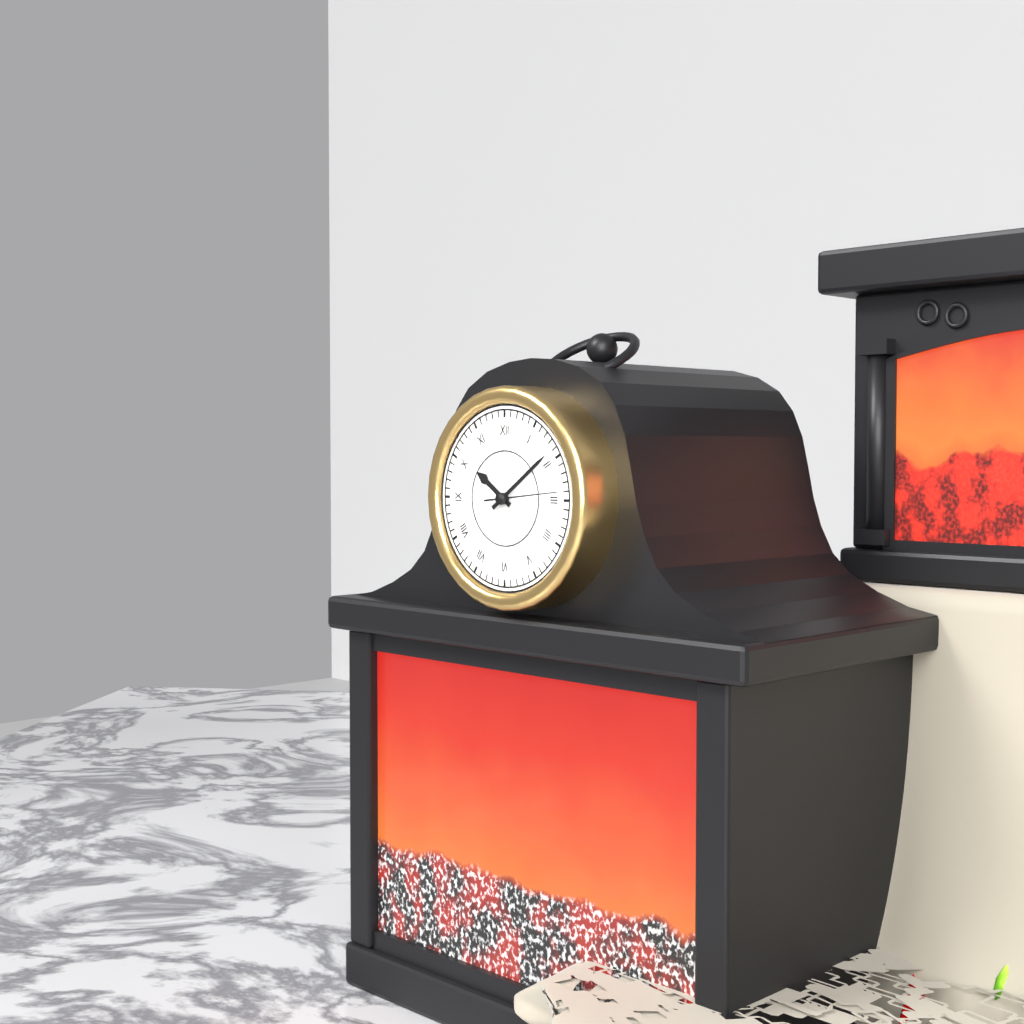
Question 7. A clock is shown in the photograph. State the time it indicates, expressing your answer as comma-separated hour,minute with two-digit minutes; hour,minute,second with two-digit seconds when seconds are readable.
10,09,14
